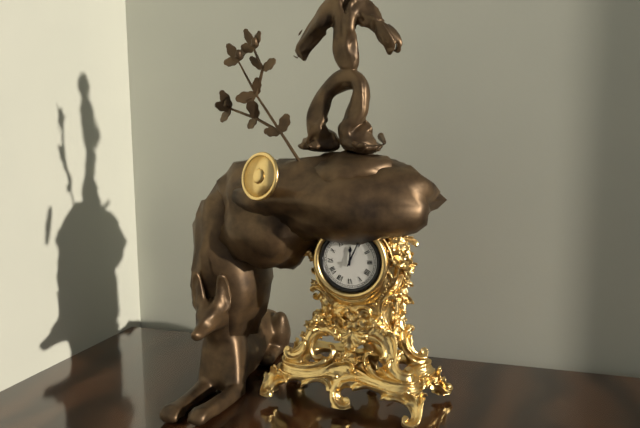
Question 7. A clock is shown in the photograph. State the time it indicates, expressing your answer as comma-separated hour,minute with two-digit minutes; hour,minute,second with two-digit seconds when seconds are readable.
12,04
